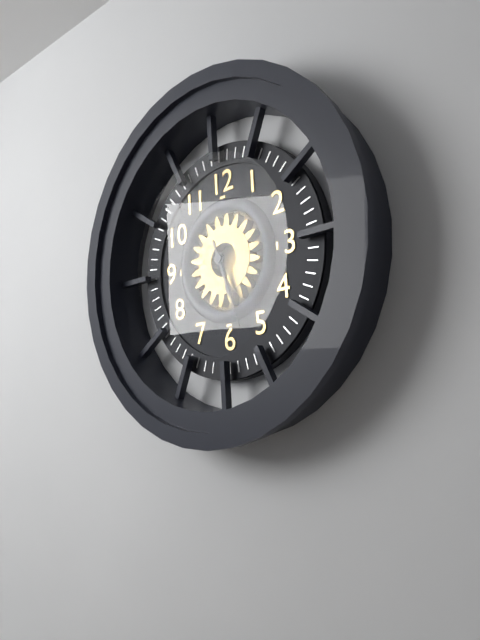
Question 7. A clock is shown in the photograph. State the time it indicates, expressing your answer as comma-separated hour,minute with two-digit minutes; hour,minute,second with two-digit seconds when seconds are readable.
5,27
